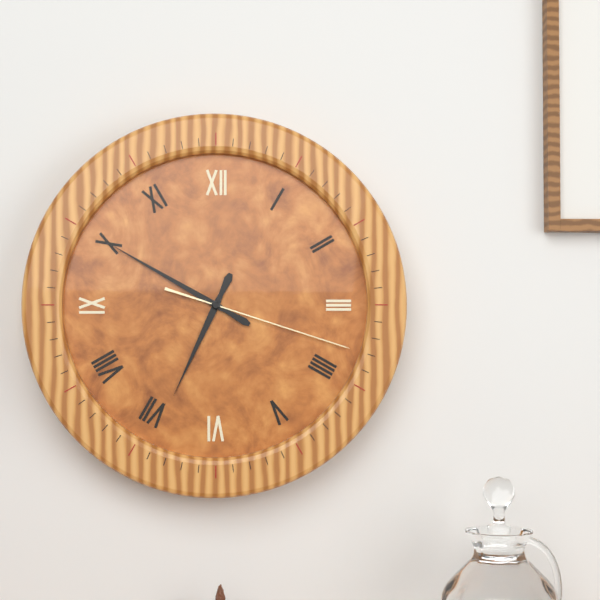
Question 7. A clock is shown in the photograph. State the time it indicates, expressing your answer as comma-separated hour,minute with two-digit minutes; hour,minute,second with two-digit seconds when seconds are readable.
6,50,18
